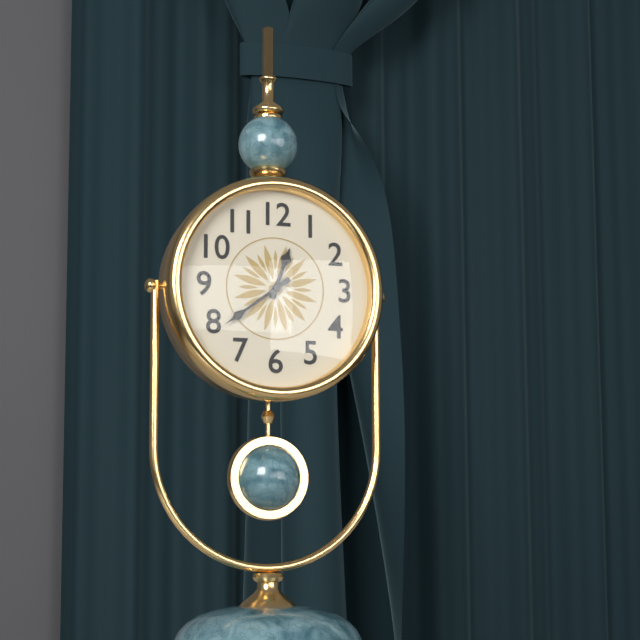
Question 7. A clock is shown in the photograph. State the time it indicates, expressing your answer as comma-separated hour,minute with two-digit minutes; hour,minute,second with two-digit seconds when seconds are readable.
12,39
